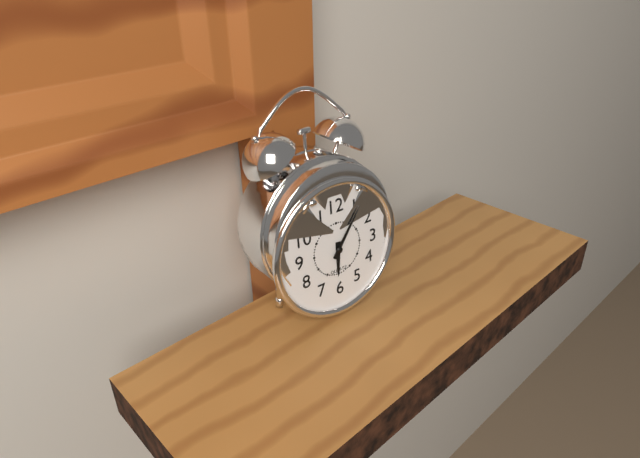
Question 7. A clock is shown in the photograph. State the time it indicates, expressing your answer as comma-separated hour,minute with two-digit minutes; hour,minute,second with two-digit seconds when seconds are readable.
6,06
